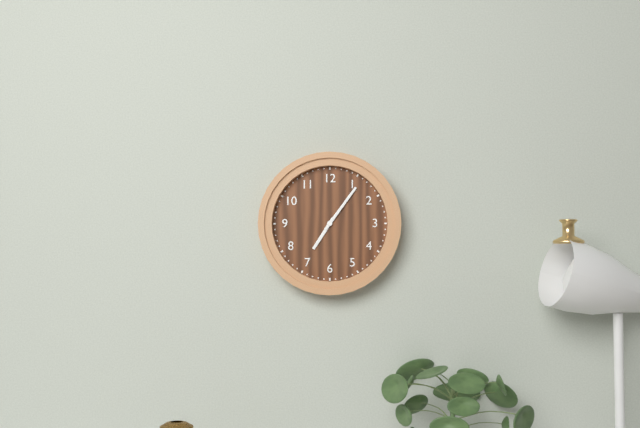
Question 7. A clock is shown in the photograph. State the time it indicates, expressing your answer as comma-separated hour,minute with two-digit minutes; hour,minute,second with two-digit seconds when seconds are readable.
7,06
